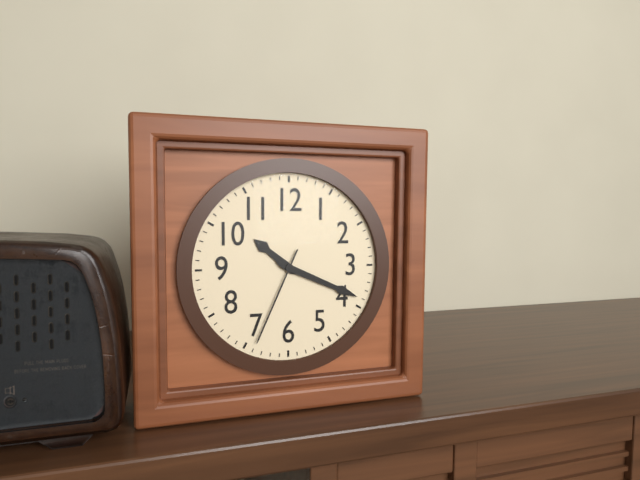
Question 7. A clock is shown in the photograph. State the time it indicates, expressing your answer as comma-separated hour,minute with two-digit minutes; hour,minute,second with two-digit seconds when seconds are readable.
10,19,34
